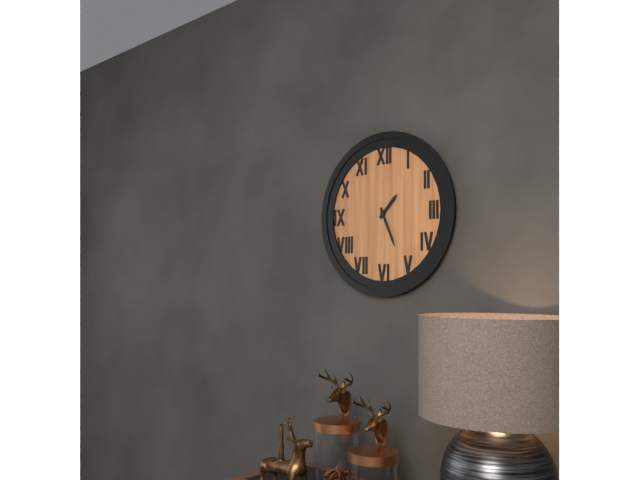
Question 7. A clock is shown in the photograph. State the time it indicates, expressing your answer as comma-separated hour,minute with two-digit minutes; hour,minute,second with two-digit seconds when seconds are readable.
1,26
